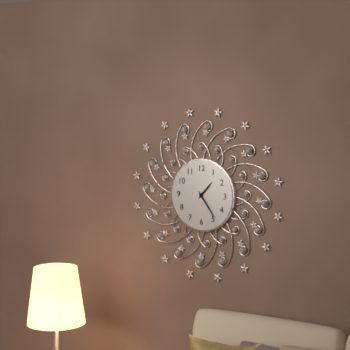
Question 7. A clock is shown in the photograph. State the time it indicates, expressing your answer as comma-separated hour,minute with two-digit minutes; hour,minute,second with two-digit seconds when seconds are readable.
1,24
